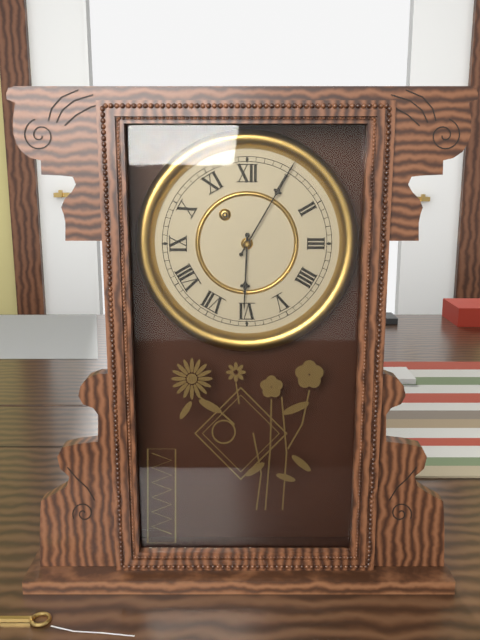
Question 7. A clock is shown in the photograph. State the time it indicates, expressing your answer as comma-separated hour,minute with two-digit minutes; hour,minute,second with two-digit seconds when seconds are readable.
6,05
